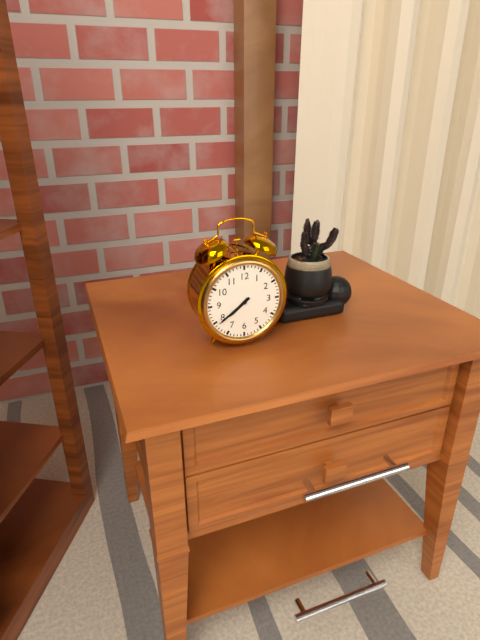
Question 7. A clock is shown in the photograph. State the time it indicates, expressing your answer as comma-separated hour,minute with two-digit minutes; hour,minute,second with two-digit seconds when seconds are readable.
7,39
